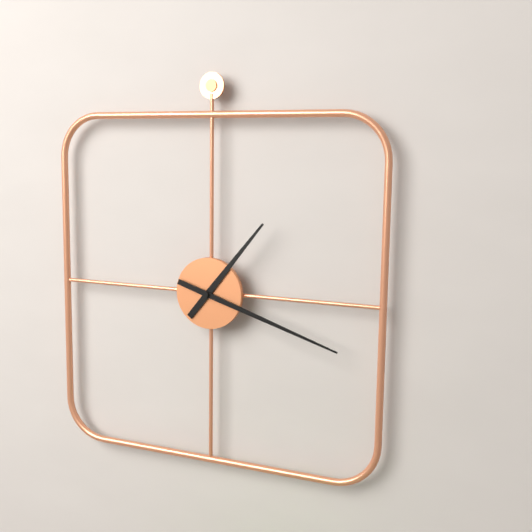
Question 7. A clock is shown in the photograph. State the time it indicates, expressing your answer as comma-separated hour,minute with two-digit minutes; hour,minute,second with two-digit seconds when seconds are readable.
1,18
